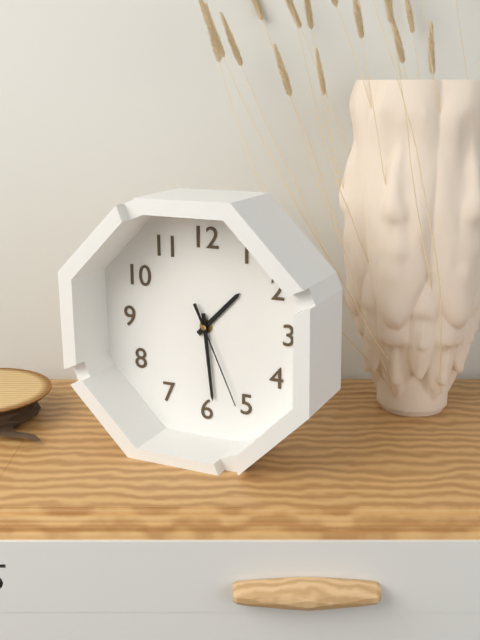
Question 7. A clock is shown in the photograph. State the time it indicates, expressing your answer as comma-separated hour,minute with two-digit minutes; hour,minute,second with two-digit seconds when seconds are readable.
1,29,26
